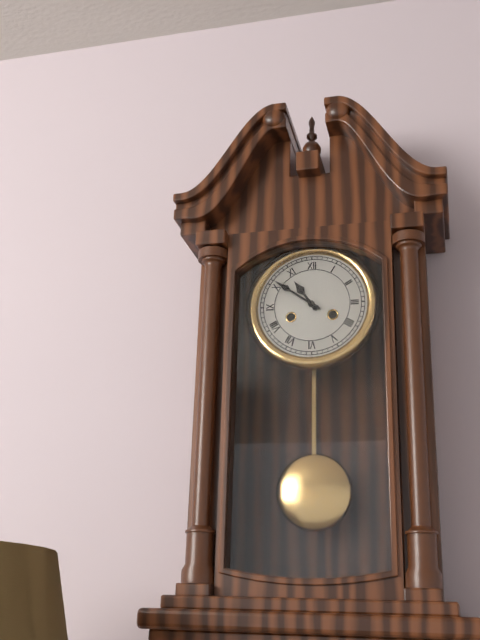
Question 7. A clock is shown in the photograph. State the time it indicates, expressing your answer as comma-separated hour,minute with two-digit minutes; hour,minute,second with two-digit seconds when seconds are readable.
10,51
